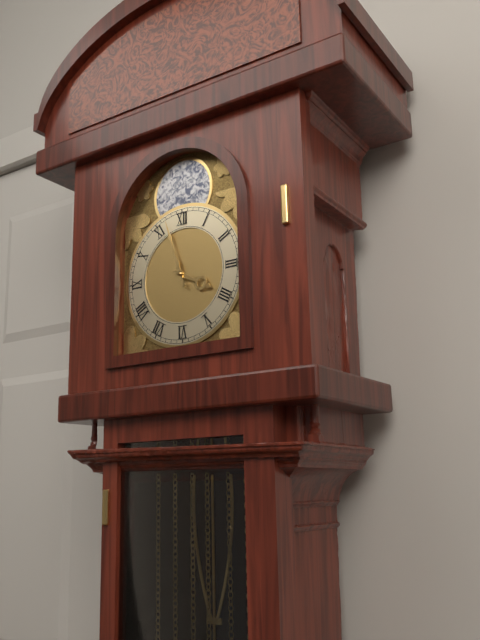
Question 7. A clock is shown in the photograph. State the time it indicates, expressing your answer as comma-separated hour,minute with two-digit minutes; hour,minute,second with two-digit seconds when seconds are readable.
3,57
